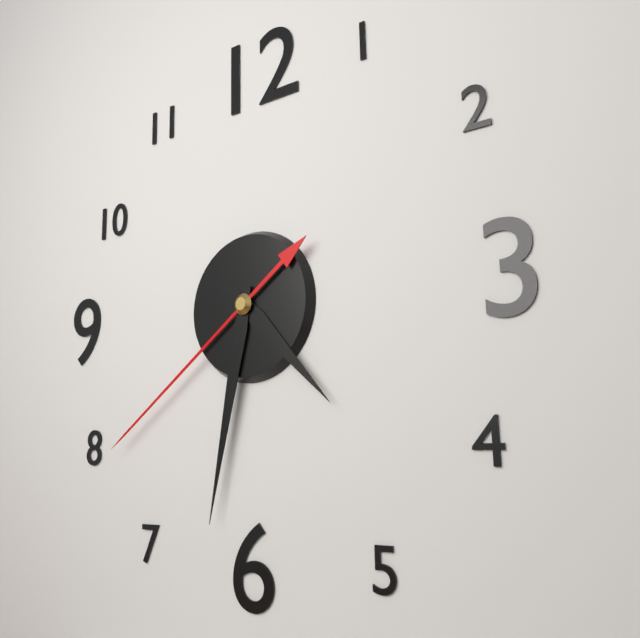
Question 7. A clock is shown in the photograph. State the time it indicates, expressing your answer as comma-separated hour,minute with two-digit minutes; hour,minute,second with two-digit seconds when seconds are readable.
4,32,39
